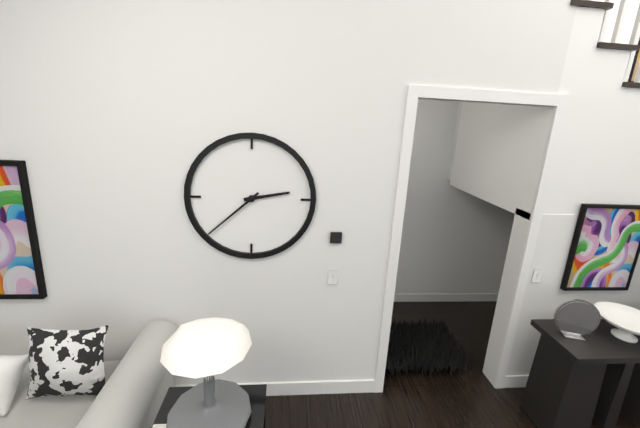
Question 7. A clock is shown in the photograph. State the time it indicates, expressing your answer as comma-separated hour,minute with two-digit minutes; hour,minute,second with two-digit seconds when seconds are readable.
2,38
